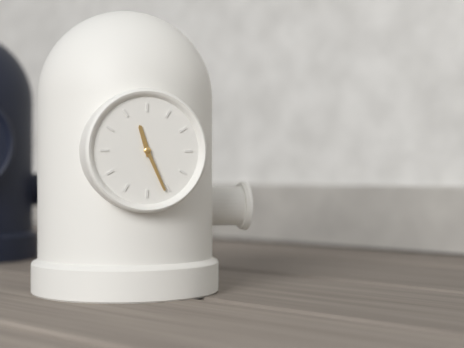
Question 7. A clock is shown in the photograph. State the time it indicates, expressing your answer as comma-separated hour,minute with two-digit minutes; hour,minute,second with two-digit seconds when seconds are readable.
11,26
